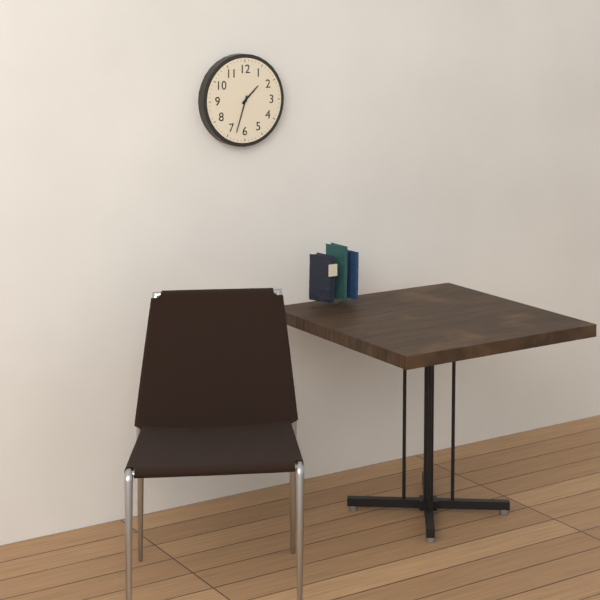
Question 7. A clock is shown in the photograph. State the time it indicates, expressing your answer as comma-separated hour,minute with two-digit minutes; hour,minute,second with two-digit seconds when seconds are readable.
1,33
